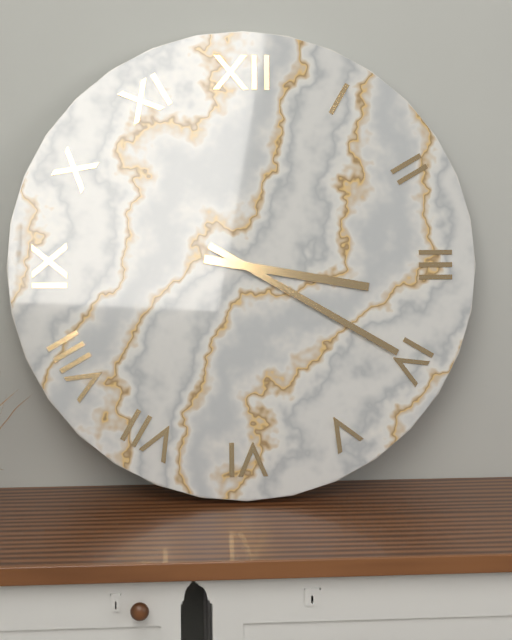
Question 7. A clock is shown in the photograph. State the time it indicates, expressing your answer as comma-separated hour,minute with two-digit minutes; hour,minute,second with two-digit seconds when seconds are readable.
3,20
